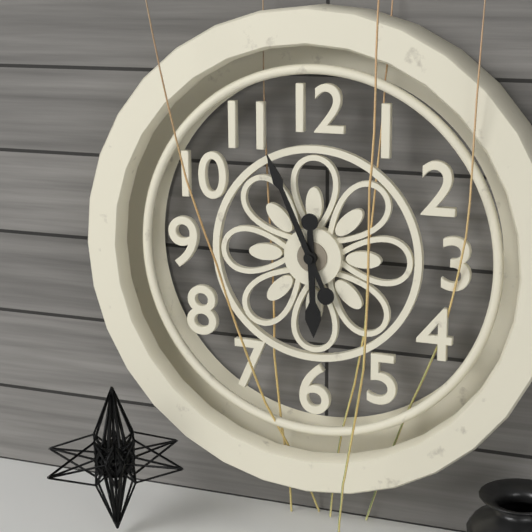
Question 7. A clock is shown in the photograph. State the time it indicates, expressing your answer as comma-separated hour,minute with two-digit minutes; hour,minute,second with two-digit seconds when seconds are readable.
5,56
